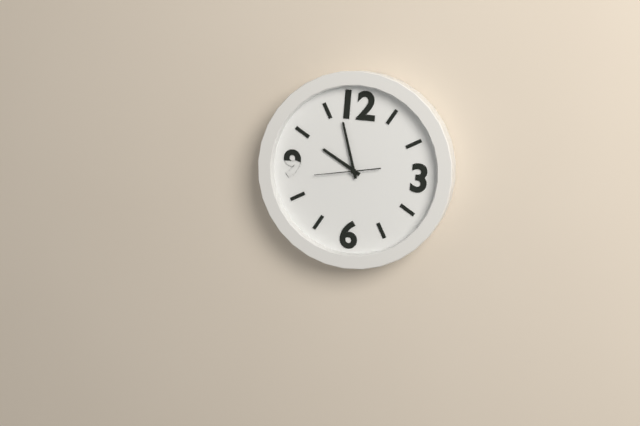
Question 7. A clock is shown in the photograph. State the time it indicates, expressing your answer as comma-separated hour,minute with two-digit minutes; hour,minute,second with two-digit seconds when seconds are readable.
9,57,43
